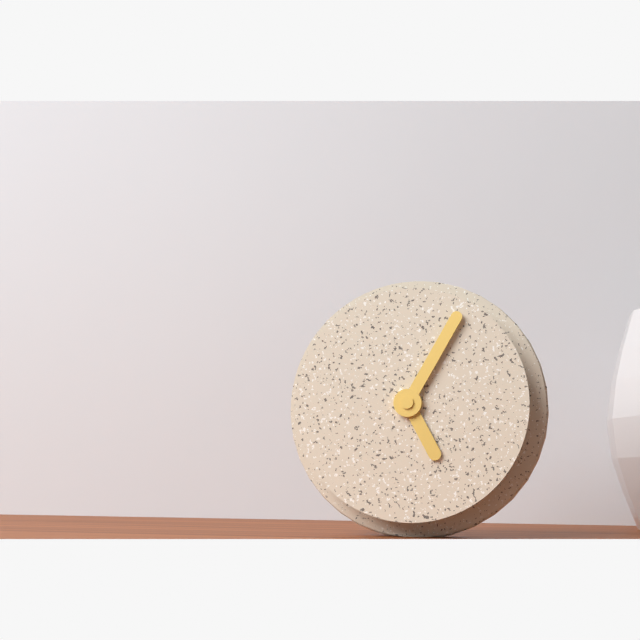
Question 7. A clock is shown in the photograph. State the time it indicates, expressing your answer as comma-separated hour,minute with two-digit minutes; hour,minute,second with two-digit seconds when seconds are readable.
5,05
